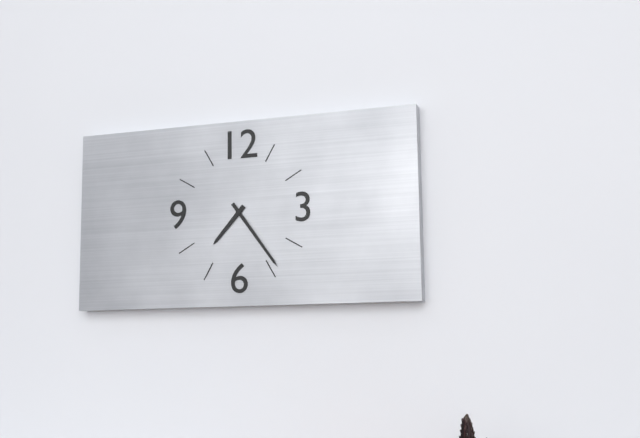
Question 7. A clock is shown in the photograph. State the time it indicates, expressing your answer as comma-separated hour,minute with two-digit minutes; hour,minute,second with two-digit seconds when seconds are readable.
7,24
